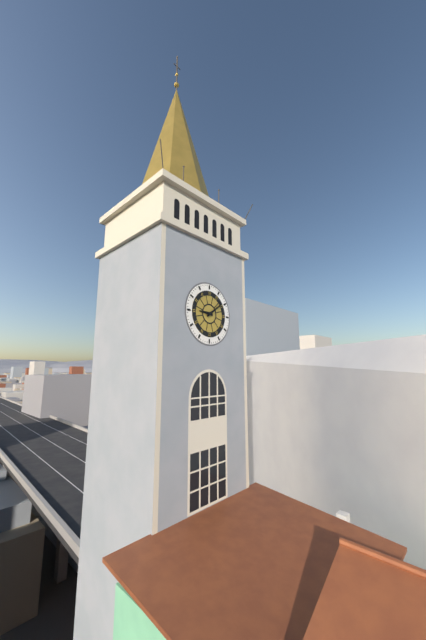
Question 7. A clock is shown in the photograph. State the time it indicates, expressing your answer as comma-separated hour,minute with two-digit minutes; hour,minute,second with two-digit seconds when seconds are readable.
9,09
